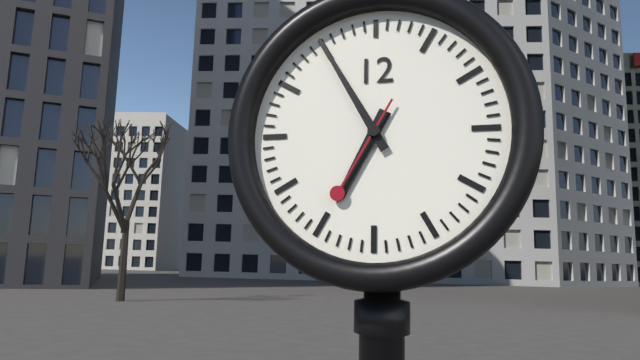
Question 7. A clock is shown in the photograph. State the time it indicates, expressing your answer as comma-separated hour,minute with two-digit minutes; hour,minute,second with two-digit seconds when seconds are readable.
6,55,35
